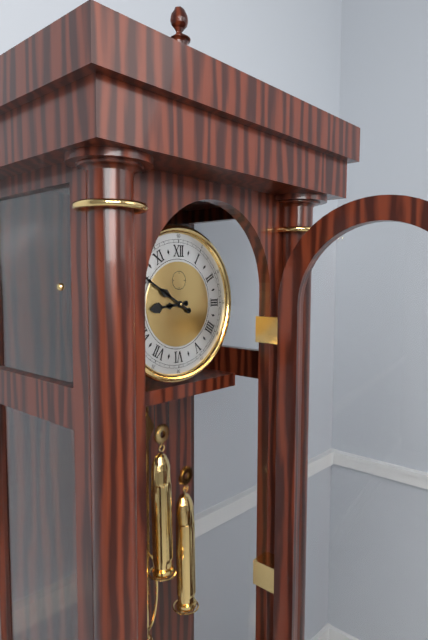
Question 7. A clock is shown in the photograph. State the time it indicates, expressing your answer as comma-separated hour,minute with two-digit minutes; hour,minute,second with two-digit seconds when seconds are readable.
8,50
